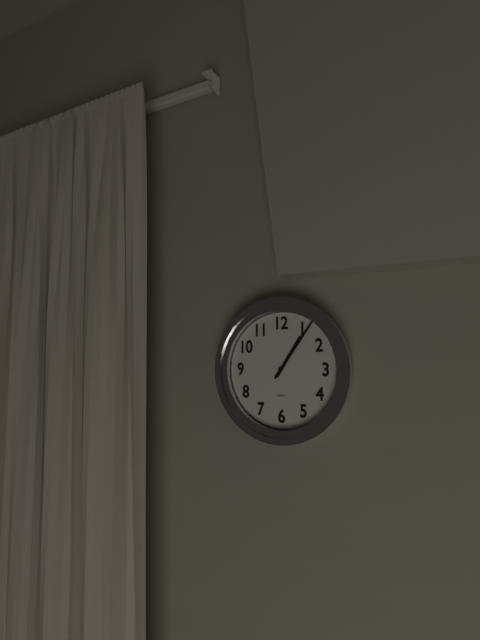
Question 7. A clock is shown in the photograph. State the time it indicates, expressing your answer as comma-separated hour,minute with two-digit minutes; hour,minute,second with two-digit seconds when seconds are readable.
1,06
